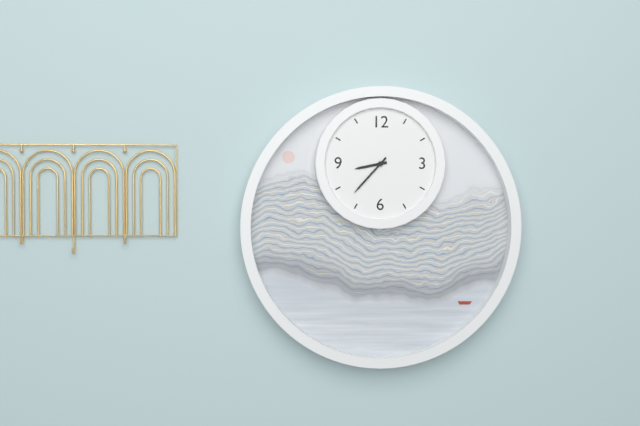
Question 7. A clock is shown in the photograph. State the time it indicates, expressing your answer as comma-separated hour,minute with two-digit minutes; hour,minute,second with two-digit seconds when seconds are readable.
8,37
